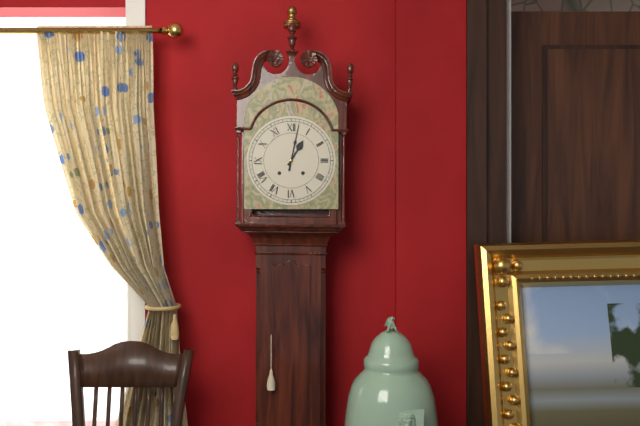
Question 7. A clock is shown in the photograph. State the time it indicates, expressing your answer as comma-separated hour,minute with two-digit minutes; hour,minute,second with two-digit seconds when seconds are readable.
1,02
